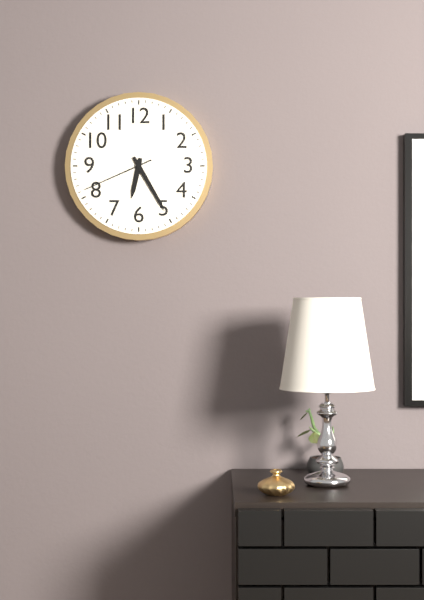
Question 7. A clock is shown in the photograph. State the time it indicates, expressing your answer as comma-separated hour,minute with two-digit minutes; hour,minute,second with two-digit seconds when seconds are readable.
6,25,41
